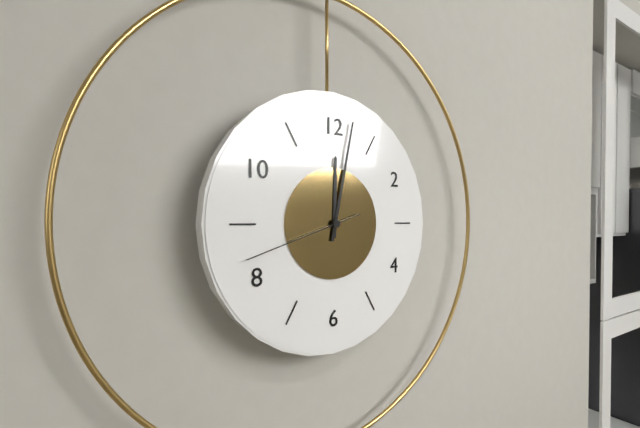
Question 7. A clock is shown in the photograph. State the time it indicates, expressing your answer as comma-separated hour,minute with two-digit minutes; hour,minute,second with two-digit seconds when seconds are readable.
12,02,42
